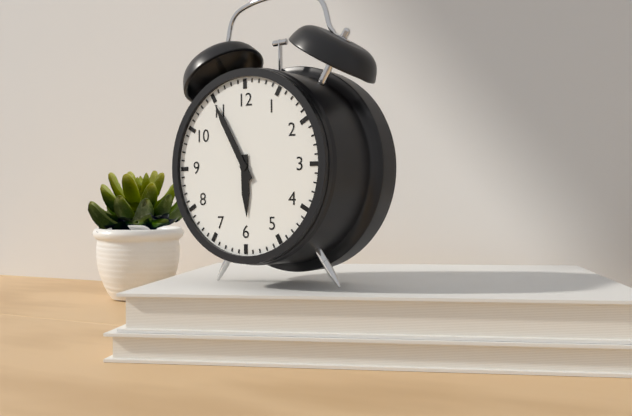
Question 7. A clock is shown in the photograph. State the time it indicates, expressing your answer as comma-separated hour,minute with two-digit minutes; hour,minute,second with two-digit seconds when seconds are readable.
5,55
